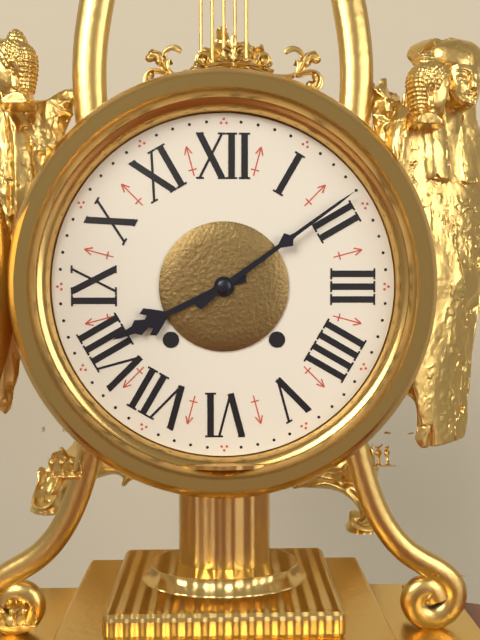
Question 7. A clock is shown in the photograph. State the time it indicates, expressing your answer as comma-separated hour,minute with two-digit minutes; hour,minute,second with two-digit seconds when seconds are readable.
8,09
